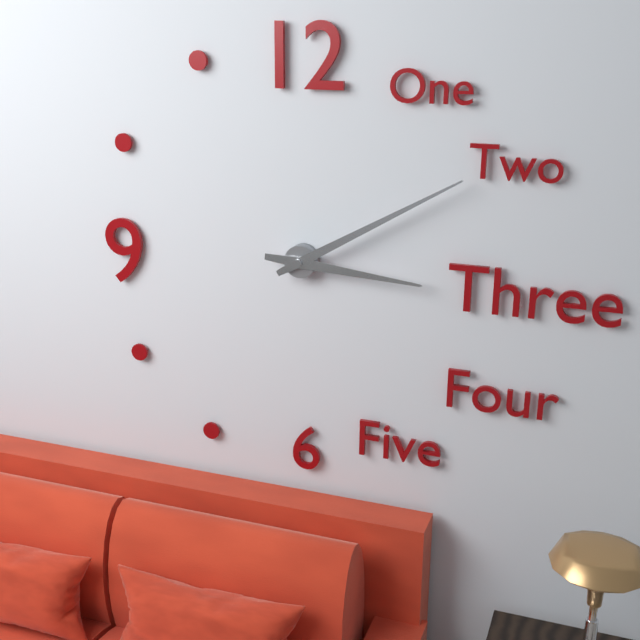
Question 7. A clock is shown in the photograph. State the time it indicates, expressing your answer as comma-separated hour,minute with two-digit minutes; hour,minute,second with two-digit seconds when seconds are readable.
3,10
